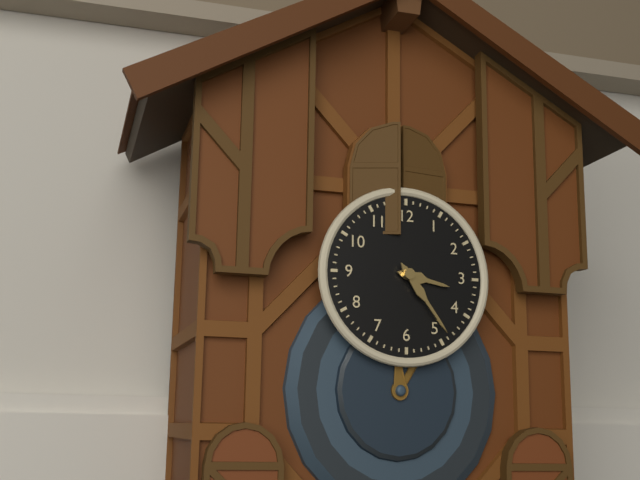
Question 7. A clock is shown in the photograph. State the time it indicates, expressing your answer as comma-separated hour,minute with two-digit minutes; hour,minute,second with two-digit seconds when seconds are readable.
3,24
